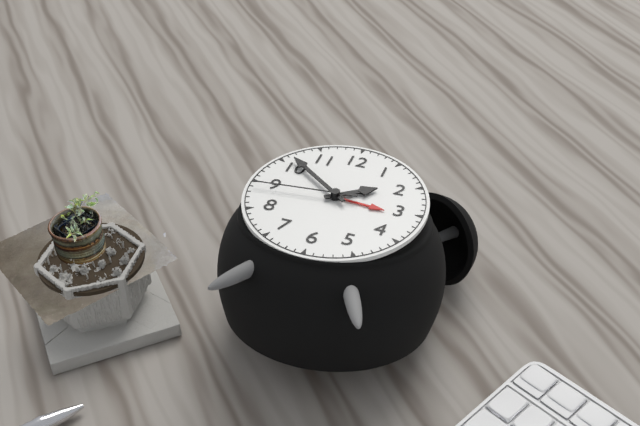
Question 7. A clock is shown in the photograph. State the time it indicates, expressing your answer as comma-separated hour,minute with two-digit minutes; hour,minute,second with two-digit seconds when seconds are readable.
1,51,44
